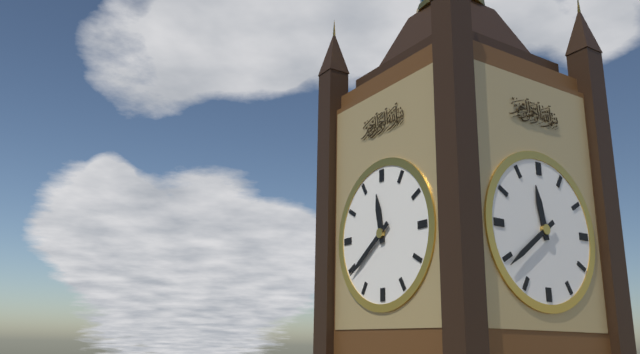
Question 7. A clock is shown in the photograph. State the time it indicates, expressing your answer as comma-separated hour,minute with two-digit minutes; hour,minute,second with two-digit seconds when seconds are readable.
11,39
